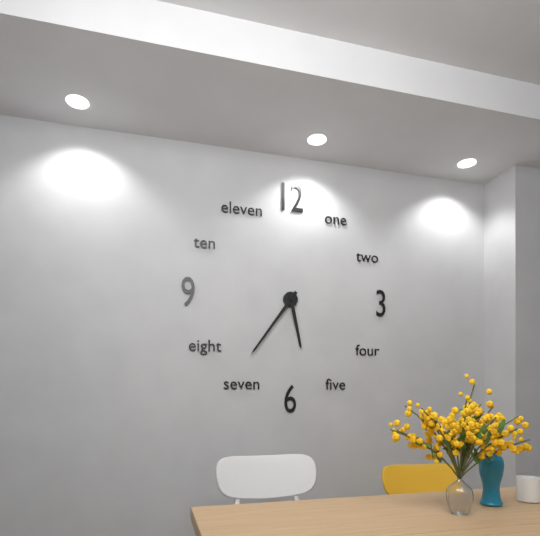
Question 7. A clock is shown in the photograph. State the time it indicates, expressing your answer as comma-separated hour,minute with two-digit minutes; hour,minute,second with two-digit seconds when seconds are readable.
5,36
